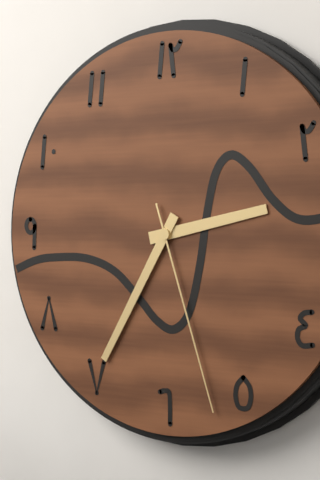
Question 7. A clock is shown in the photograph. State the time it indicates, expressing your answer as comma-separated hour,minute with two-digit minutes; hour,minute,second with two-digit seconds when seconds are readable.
2,35,27
